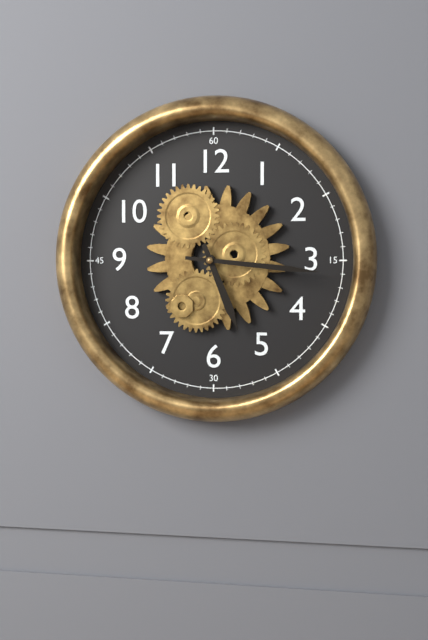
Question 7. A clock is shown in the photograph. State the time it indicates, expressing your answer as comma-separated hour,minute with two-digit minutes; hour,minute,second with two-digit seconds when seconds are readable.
5,16
